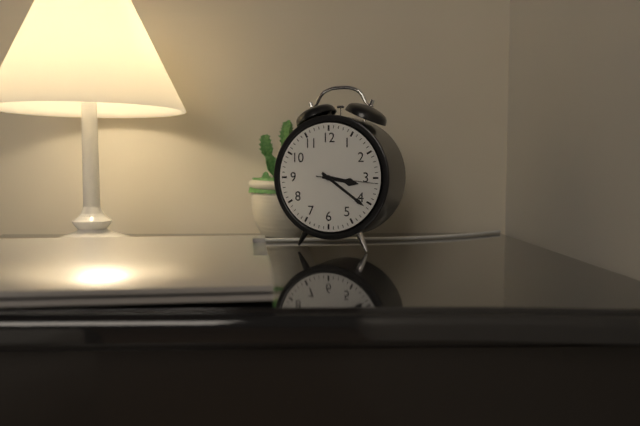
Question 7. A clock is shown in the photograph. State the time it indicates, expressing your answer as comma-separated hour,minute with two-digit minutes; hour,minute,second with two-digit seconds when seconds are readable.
3,21,16
